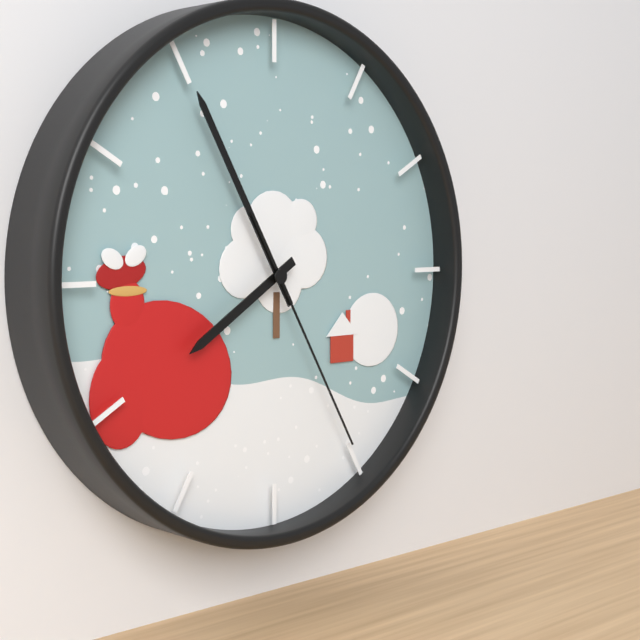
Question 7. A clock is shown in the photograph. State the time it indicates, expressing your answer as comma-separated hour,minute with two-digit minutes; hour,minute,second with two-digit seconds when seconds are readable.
7,55,25
